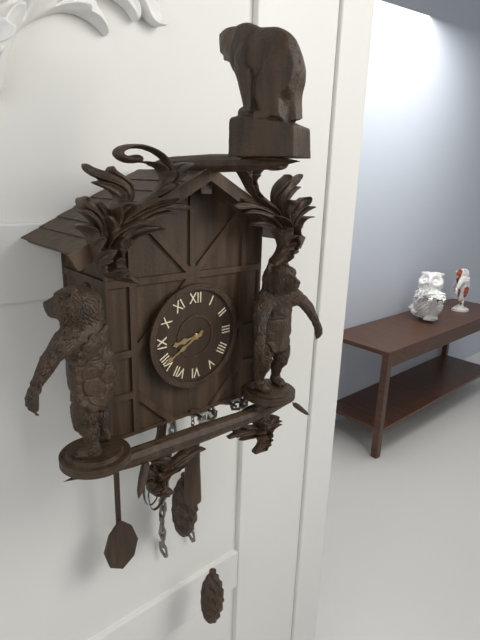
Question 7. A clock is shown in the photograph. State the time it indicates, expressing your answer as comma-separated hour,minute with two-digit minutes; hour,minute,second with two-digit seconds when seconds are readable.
8,40
